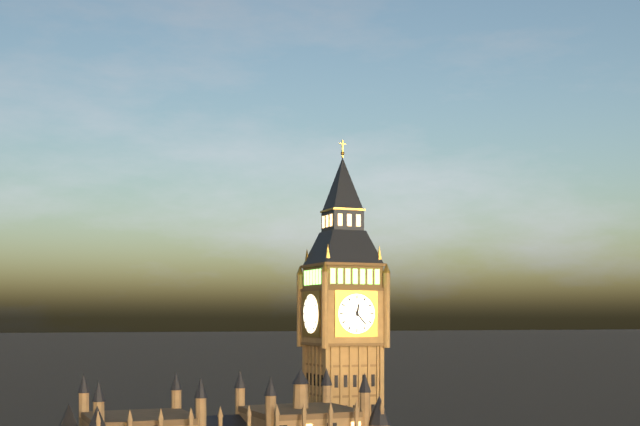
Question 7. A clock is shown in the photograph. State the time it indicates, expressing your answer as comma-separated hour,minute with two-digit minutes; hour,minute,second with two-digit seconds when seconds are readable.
12,23
